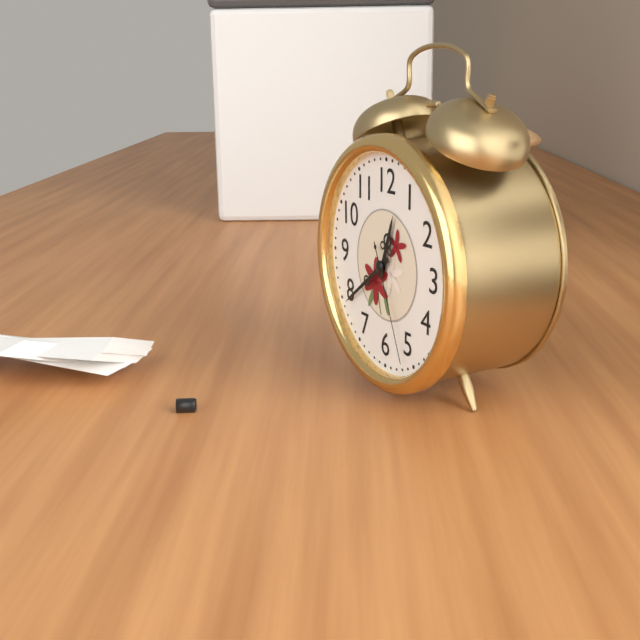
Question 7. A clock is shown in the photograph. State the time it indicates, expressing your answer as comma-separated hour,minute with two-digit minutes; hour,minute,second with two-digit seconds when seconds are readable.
12,39,26
